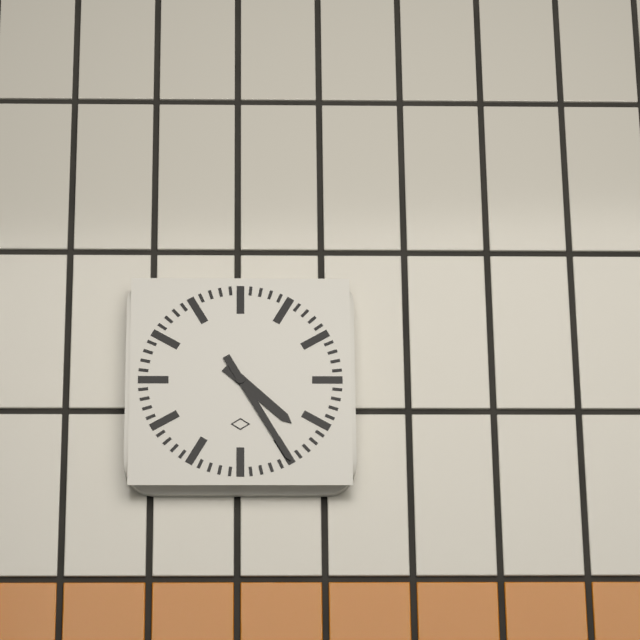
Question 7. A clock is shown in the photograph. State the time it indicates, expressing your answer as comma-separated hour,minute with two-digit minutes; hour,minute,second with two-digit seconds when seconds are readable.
4,25
